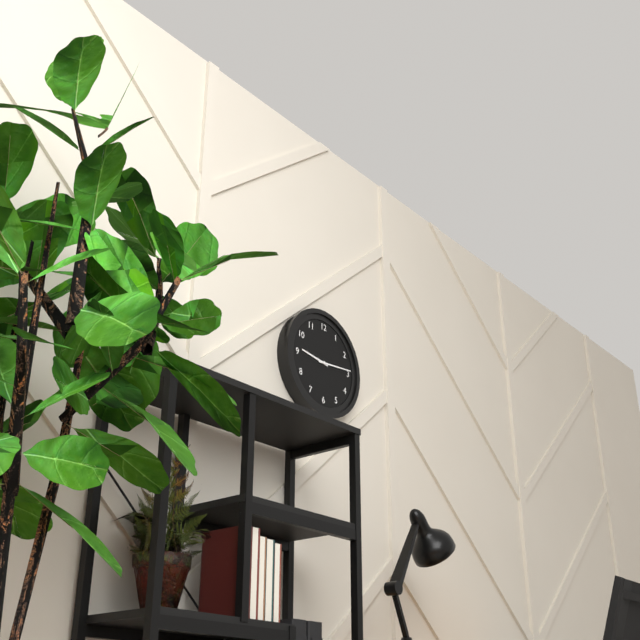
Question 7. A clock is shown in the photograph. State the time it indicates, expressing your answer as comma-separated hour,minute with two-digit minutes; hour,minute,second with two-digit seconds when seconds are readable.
9,14
